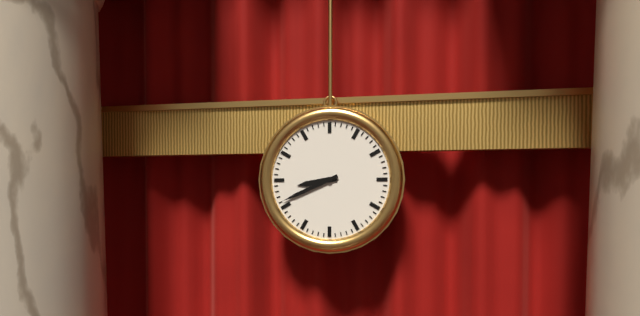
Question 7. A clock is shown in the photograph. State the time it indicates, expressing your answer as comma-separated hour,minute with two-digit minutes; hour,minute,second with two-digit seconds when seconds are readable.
8,41
